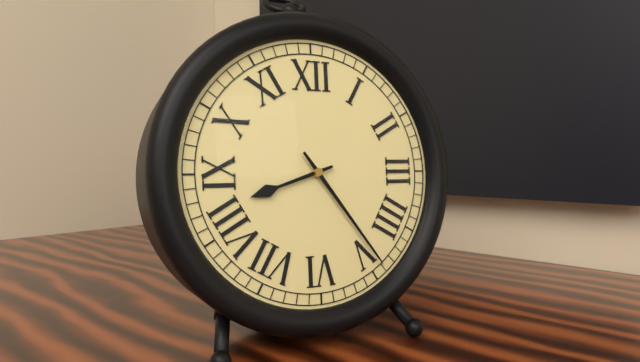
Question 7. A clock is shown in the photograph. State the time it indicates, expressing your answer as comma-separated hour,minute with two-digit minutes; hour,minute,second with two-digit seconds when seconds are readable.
8,24
